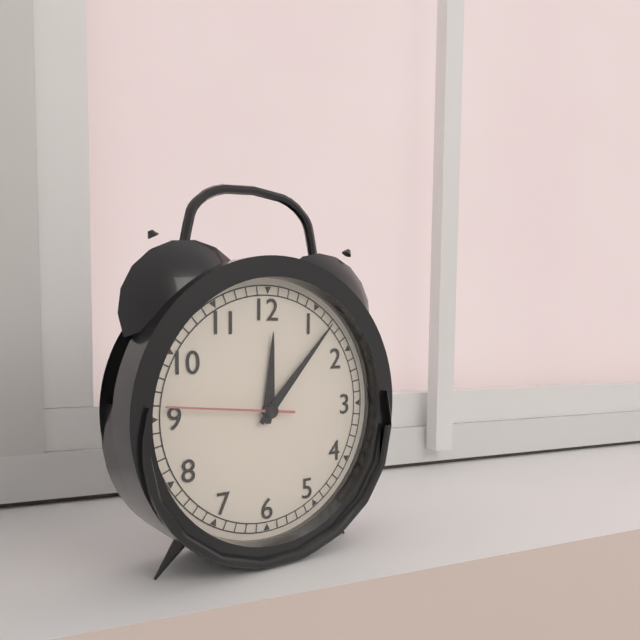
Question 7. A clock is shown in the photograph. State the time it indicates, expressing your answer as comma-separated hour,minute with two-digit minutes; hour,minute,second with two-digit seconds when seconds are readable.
12,07,46
